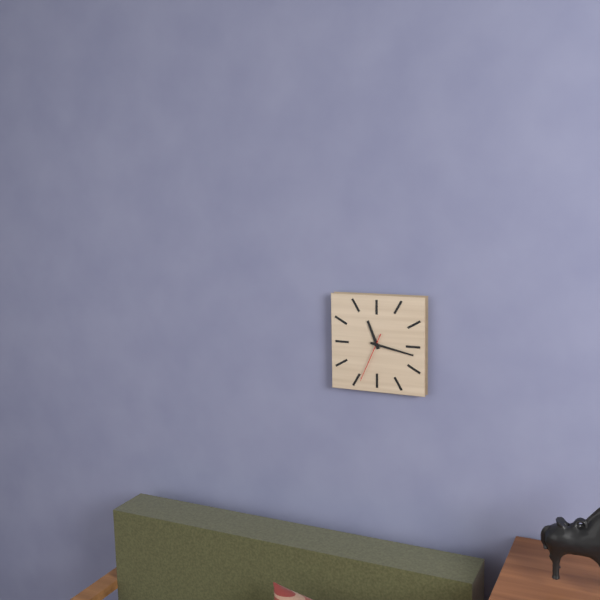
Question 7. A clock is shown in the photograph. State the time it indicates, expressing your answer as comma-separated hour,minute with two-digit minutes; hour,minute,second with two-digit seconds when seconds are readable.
11,17
